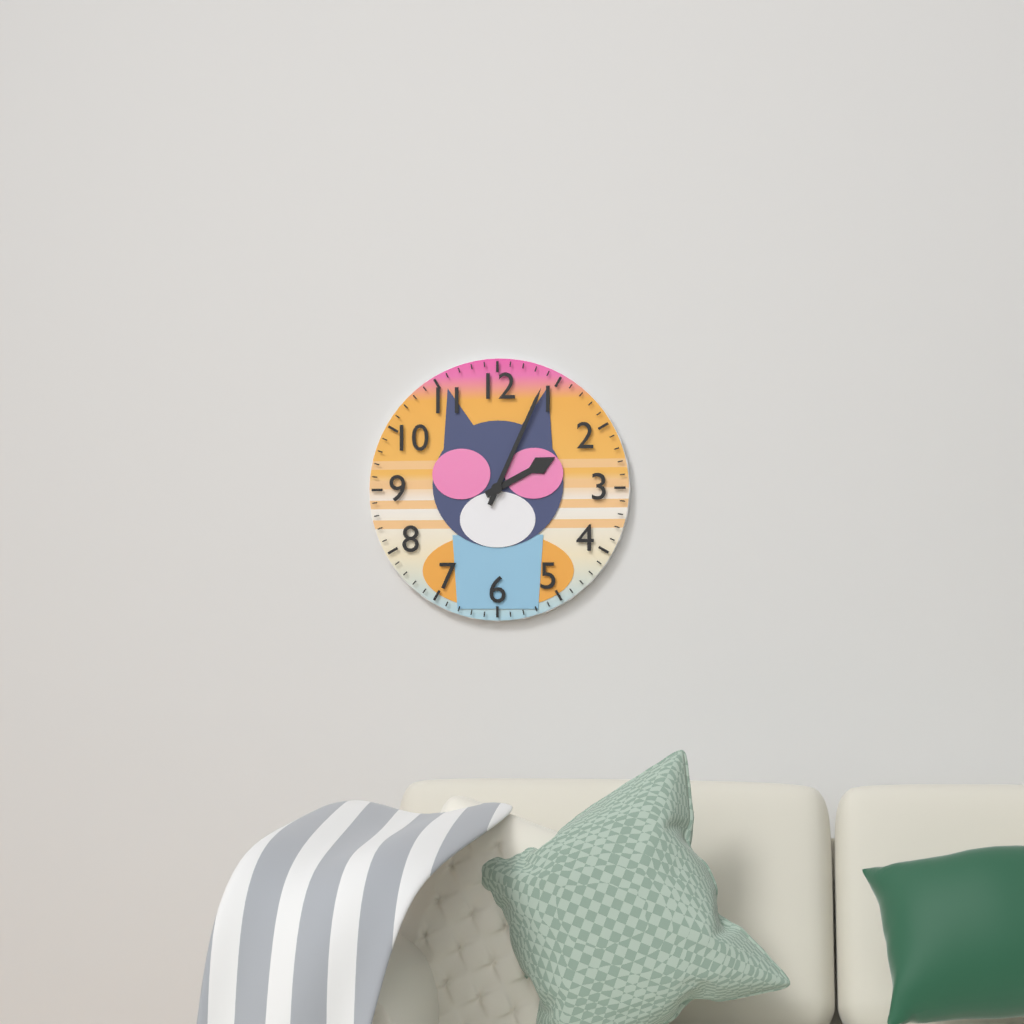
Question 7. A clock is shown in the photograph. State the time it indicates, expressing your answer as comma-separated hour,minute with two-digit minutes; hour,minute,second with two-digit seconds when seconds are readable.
2,04
